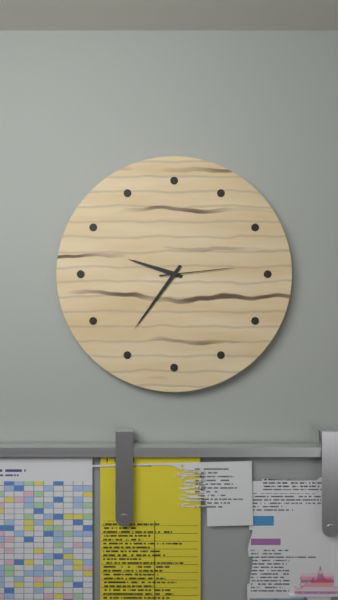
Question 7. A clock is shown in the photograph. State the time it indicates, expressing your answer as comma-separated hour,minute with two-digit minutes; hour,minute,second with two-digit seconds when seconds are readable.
9,36,14
